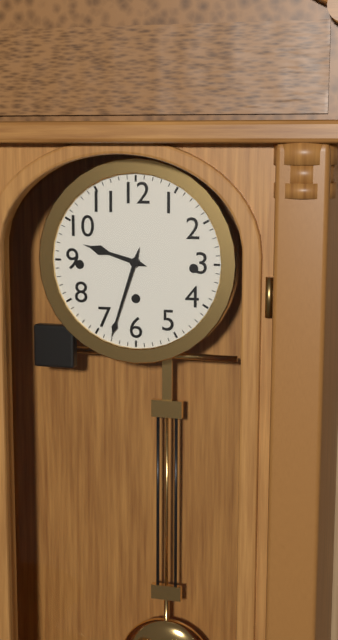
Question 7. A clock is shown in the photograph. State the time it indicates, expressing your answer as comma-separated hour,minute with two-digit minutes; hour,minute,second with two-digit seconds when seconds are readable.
9,33
